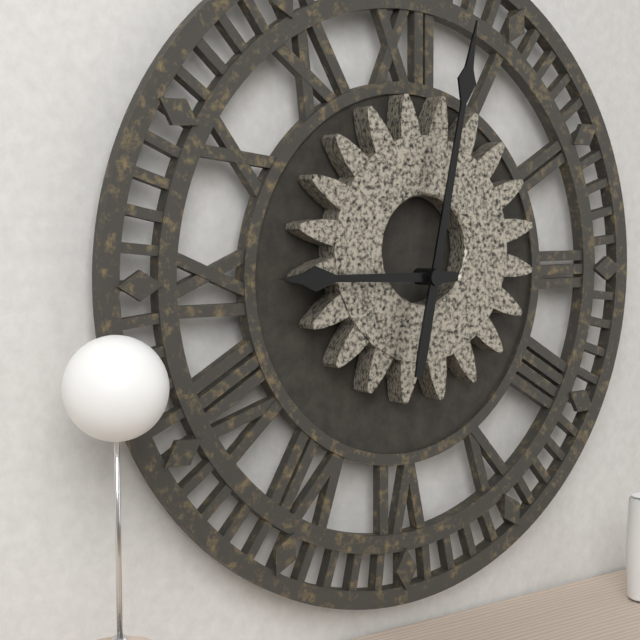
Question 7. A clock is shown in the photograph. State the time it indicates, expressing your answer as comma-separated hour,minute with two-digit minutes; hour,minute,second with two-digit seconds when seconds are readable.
9,02
